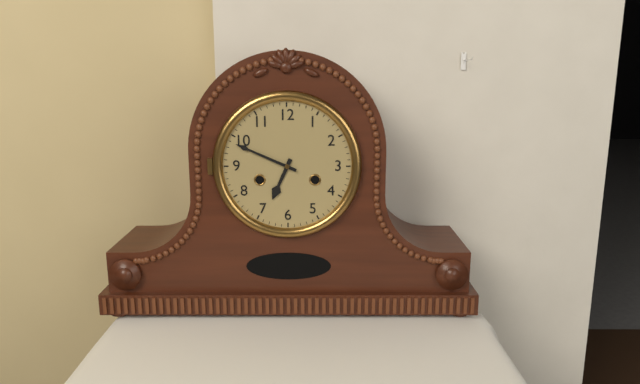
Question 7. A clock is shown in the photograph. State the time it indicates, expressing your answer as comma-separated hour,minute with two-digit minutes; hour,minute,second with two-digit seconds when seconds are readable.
6,49
